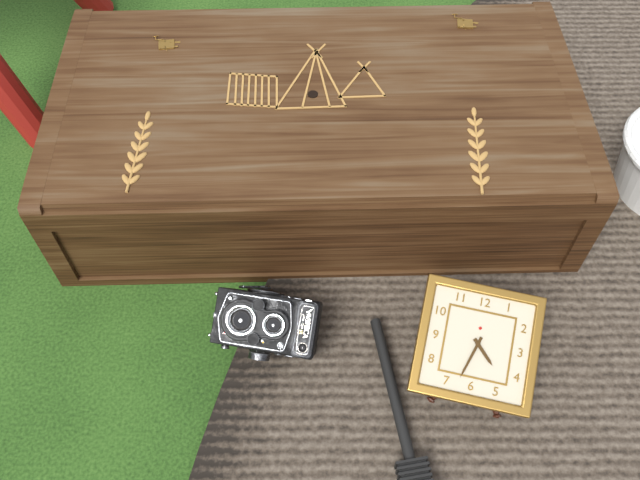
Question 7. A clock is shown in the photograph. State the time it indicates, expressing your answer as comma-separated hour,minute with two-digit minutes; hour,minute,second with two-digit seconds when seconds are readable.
4,33
